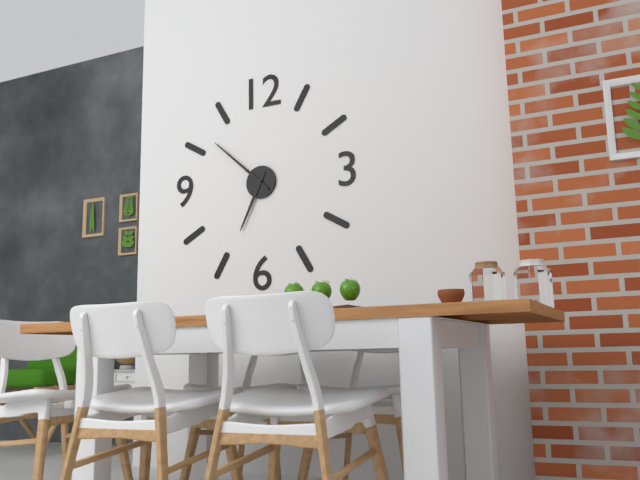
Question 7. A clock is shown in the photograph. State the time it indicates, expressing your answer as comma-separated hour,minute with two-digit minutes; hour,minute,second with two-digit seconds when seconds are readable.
6,52
